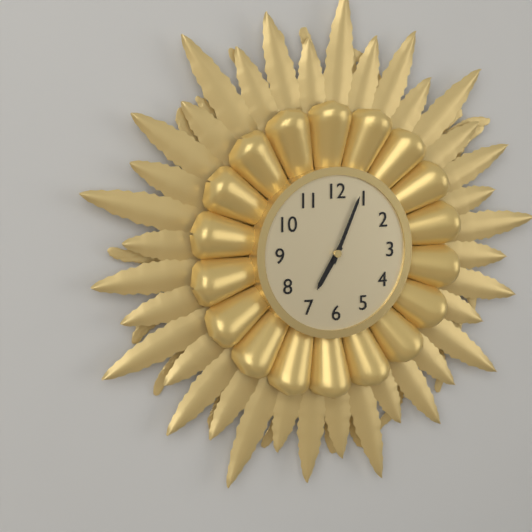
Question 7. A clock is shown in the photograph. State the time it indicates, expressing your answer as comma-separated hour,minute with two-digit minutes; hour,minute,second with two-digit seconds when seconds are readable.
7,04
